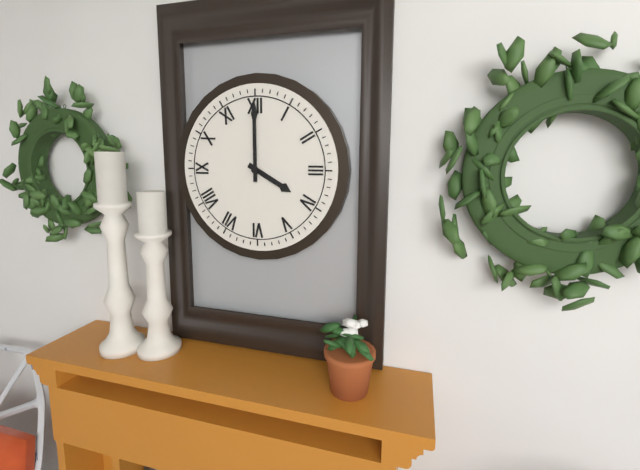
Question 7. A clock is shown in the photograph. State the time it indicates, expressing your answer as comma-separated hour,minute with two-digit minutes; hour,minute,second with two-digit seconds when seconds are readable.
4,00
